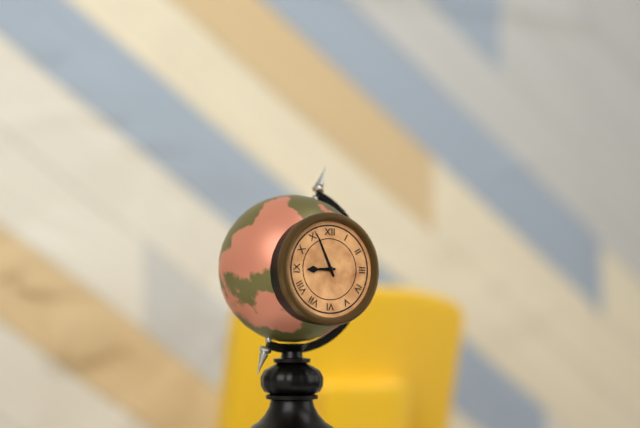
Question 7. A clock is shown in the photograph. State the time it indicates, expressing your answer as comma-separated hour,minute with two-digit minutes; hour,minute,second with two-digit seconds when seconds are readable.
8,56
